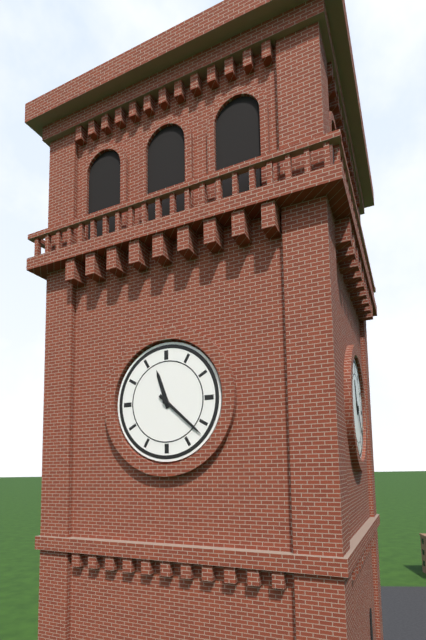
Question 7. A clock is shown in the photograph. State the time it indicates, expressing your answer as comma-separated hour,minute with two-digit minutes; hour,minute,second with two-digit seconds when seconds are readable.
11,22
